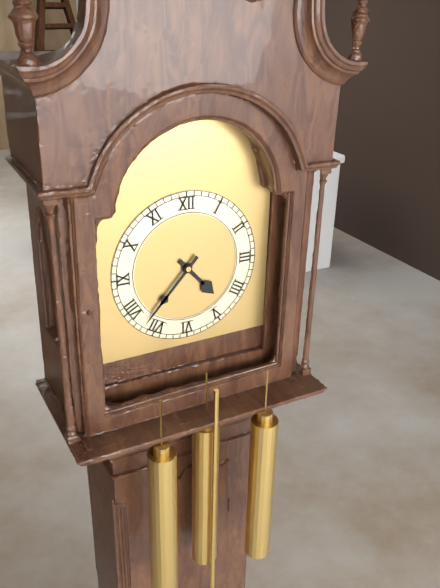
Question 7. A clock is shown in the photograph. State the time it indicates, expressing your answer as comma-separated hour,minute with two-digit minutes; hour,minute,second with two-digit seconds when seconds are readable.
4,37
